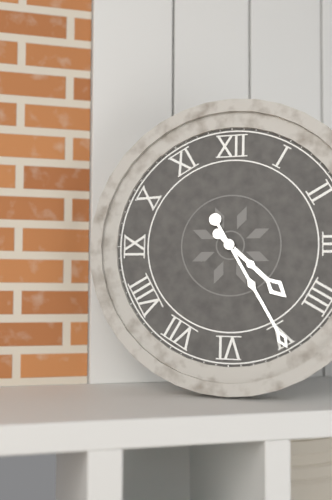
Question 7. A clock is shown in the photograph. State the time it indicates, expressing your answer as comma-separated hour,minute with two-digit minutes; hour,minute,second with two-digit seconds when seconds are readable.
4,25
